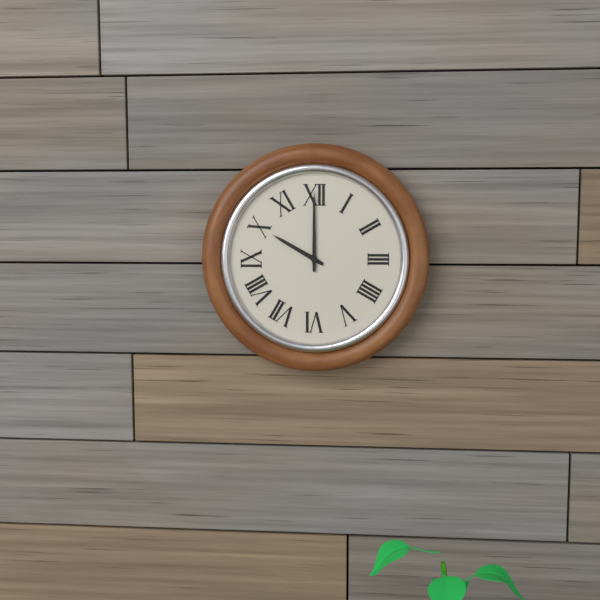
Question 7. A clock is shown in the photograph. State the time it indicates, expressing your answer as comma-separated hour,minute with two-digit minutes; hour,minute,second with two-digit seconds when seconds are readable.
10,00
